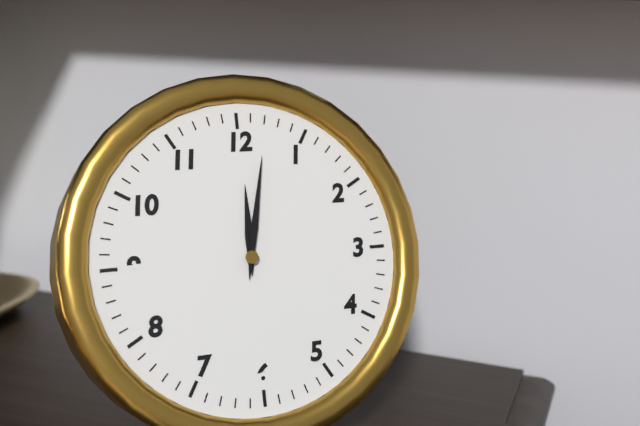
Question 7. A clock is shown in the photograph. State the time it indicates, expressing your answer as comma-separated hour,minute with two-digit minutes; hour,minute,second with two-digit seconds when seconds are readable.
12,02
